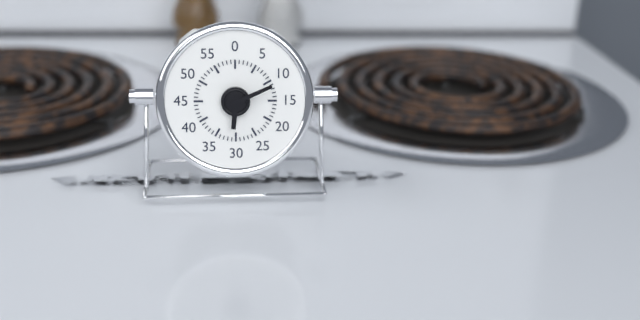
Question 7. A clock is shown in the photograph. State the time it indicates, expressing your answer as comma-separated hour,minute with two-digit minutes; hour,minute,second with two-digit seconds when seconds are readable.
6,11
